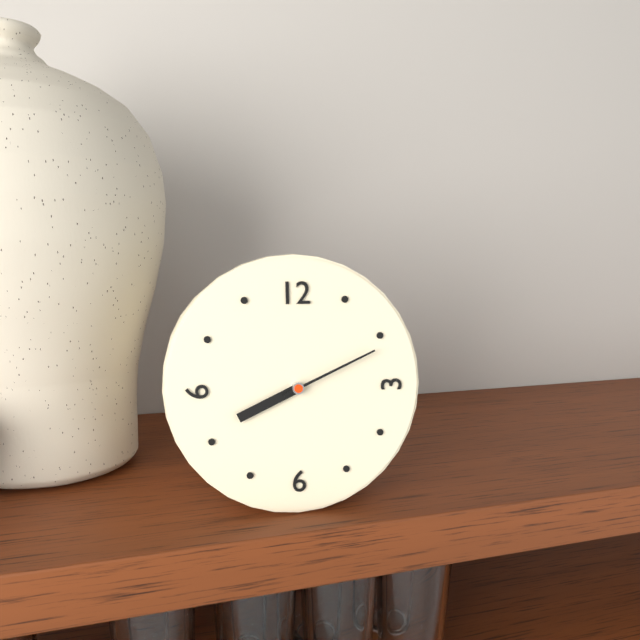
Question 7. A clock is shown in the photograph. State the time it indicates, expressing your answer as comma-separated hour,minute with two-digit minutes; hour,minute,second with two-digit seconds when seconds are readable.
8,11
